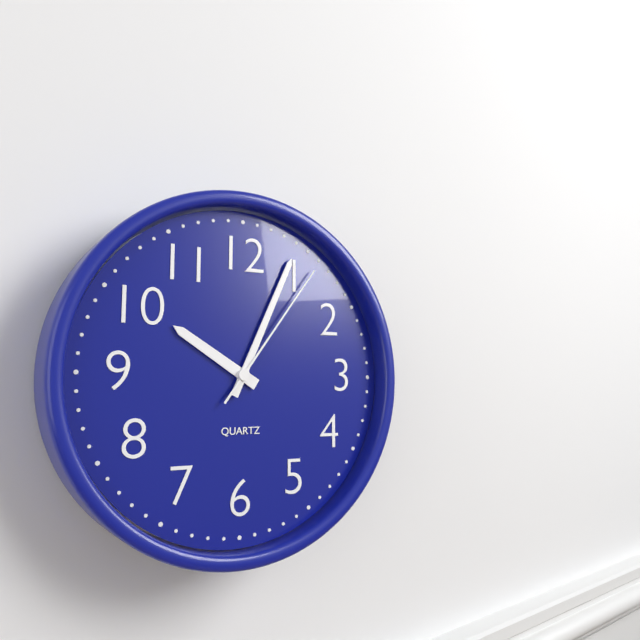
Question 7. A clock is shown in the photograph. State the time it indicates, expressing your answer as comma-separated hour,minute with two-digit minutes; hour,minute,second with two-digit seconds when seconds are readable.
10,04,06
